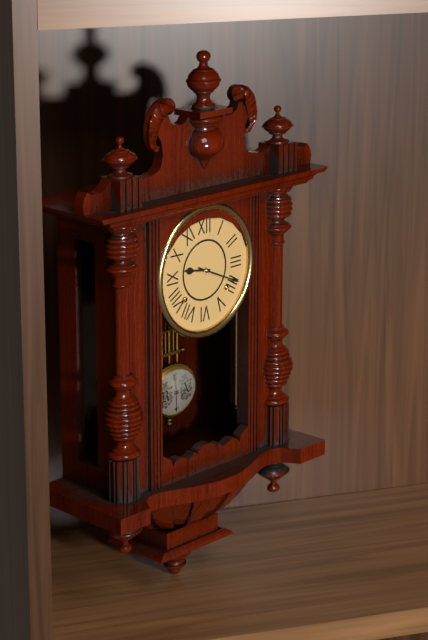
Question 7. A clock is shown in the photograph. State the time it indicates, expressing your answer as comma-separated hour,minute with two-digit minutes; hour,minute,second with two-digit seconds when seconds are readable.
9,19
